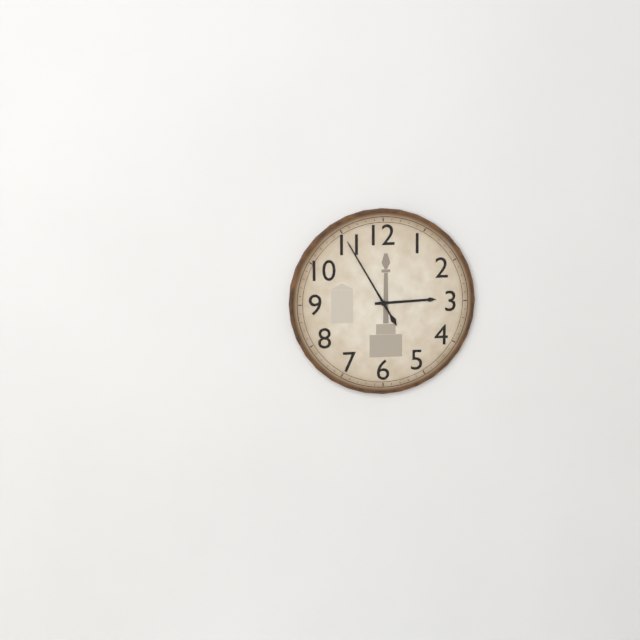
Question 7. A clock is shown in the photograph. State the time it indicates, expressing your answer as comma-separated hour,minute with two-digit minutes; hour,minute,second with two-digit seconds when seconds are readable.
2,55
